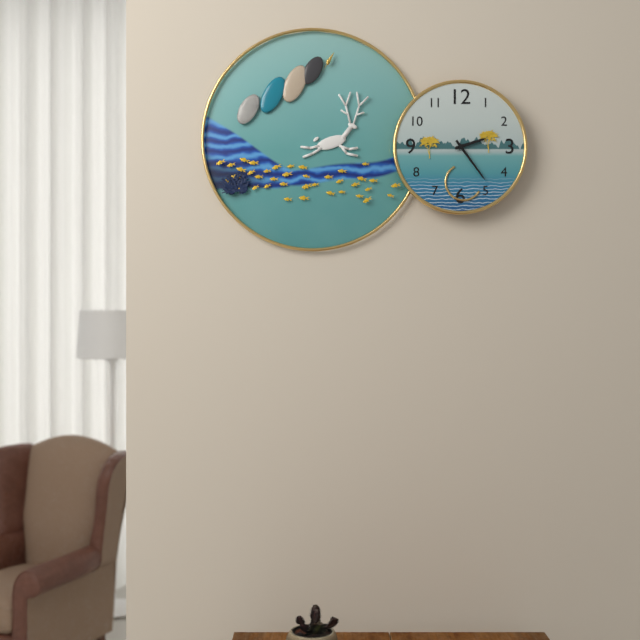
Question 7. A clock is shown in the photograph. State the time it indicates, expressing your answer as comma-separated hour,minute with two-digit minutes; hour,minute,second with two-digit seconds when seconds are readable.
2,24
